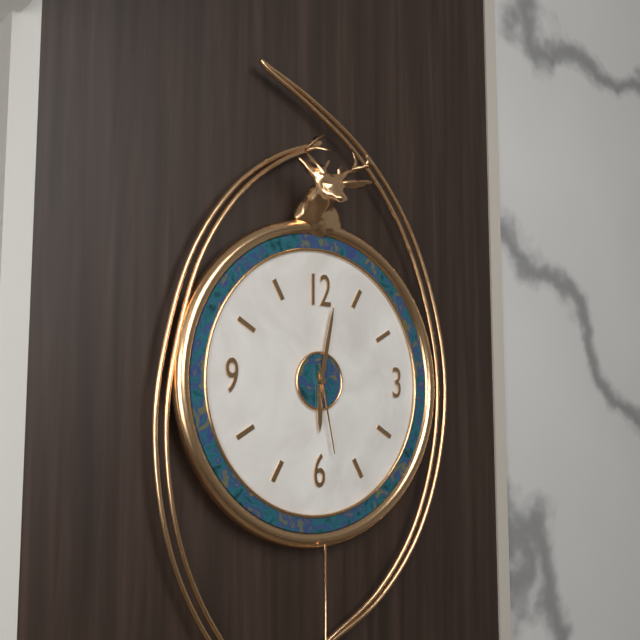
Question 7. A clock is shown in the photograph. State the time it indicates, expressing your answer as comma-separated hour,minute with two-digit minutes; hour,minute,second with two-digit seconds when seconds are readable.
6,02,28
